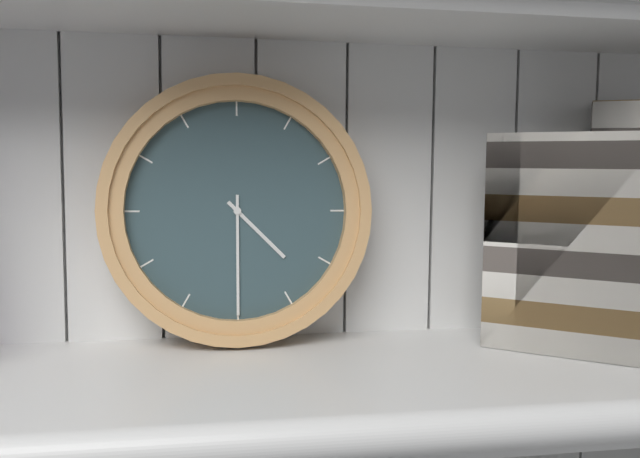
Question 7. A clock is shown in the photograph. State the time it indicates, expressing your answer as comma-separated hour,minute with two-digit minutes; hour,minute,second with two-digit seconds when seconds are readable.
4,30
